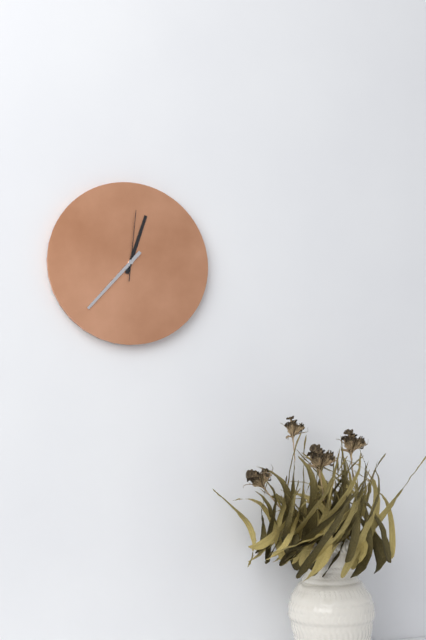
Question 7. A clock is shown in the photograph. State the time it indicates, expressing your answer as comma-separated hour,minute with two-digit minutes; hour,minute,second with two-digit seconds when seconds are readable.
12,37,01
